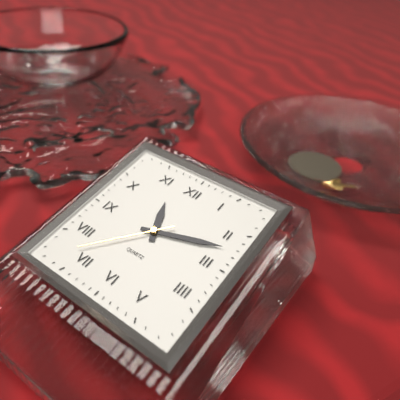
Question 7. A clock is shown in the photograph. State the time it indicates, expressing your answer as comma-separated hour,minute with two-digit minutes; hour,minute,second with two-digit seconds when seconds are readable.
11,12,37
